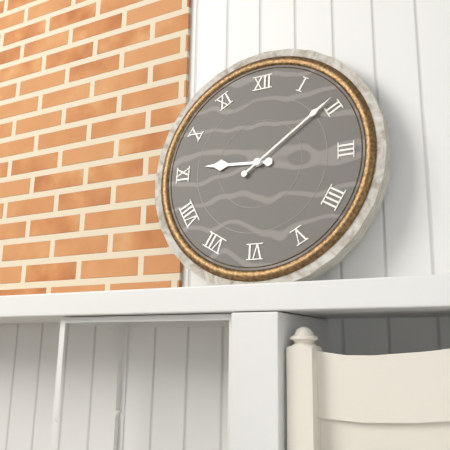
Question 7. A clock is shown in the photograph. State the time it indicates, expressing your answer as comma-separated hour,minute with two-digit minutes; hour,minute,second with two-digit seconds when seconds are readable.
9,09
